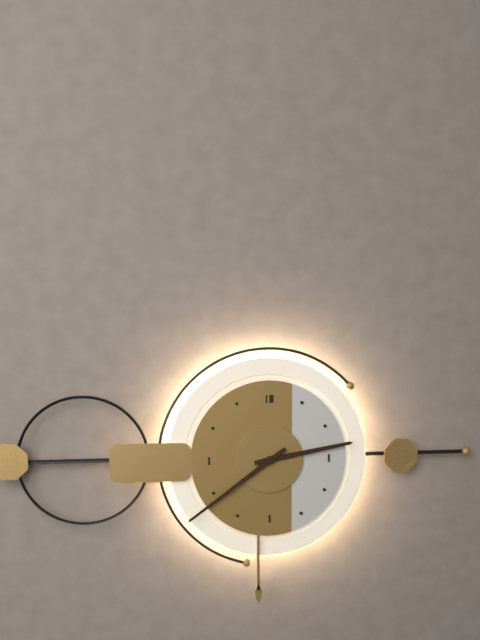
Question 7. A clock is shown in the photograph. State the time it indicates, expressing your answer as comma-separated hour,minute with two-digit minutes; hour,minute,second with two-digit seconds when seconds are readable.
2,39
